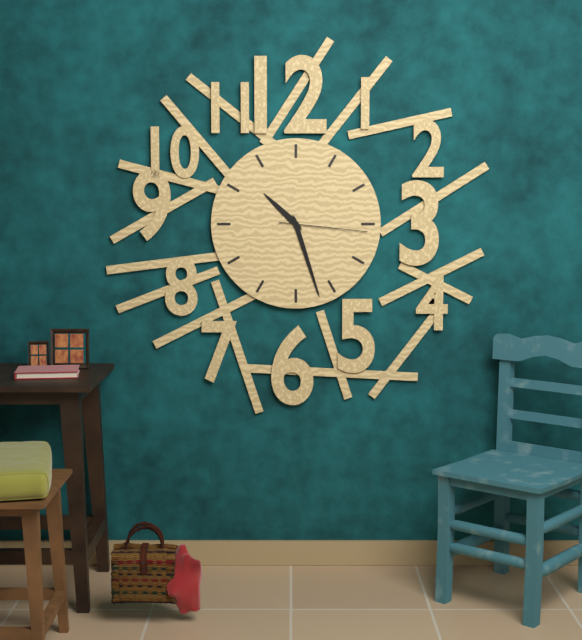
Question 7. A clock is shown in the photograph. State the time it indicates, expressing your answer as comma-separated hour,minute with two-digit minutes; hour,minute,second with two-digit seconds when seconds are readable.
10,27,16
